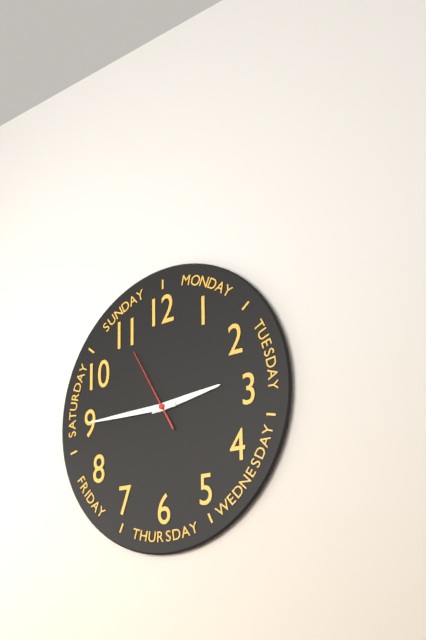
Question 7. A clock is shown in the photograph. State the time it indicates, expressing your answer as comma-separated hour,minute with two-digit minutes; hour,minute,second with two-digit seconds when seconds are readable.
2,45,55
